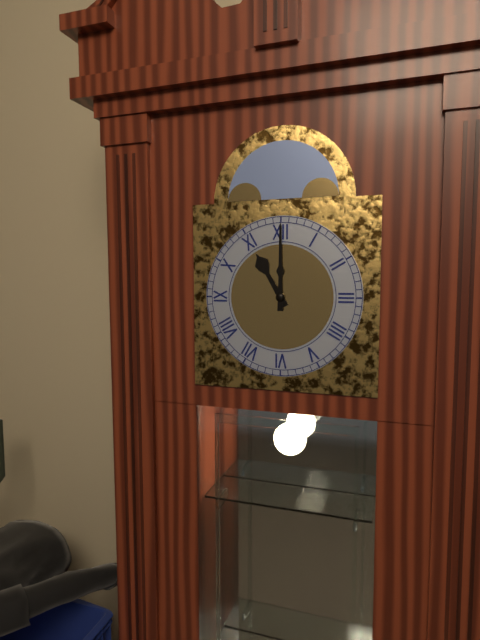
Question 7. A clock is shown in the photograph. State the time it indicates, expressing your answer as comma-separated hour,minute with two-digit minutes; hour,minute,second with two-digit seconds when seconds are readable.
11,00
